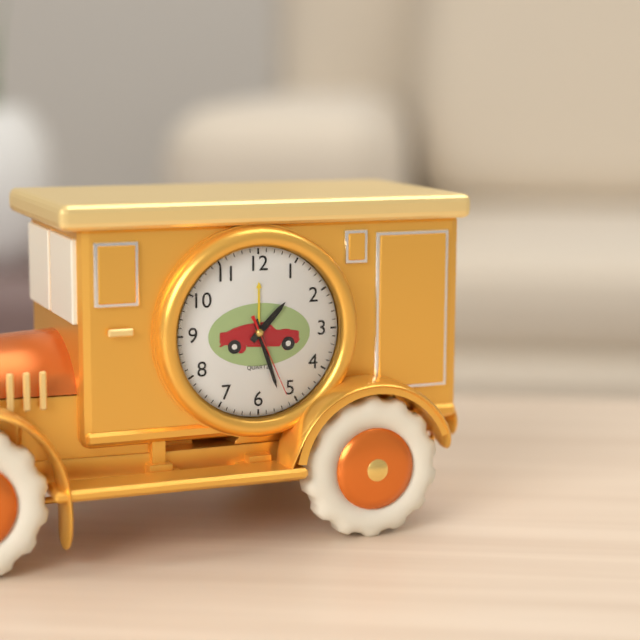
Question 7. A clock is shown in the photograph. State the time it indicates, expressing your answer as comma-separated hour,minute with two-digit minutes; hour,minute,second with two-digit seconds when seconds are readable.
1,27,26
